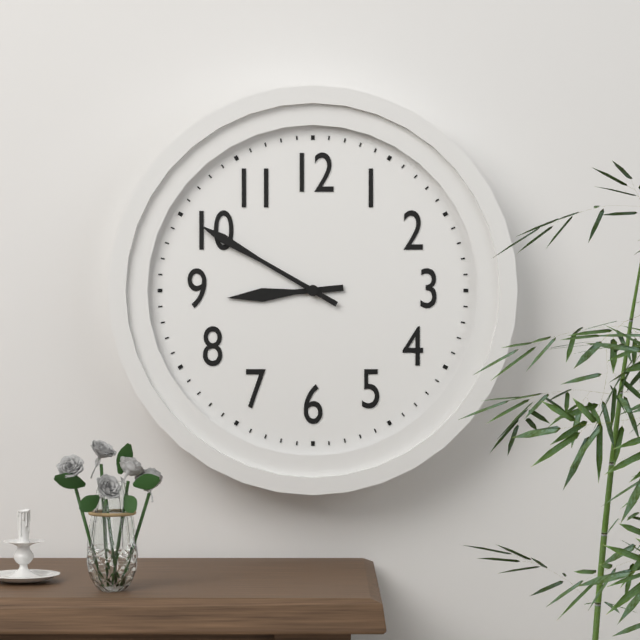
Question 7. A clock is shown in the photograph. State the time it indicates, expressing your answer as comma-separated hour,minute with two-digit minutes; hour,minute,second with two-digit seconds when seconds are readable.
8,50
